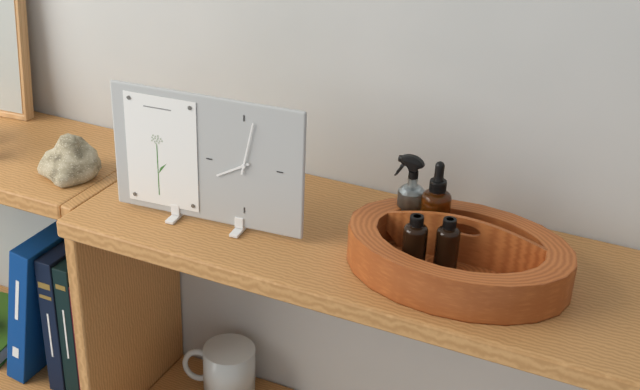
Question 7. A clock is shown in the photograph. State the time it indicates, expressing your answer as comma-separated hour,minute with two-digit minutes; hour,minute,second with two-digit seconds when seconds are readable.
8,02
